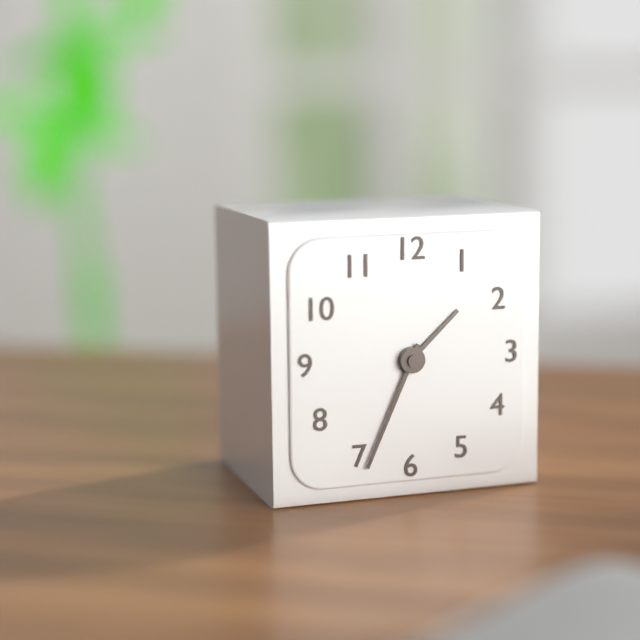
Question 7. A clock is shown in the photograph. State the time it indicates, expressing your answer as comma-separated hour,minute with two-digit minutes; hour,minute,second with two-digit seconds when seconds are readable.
1,34
